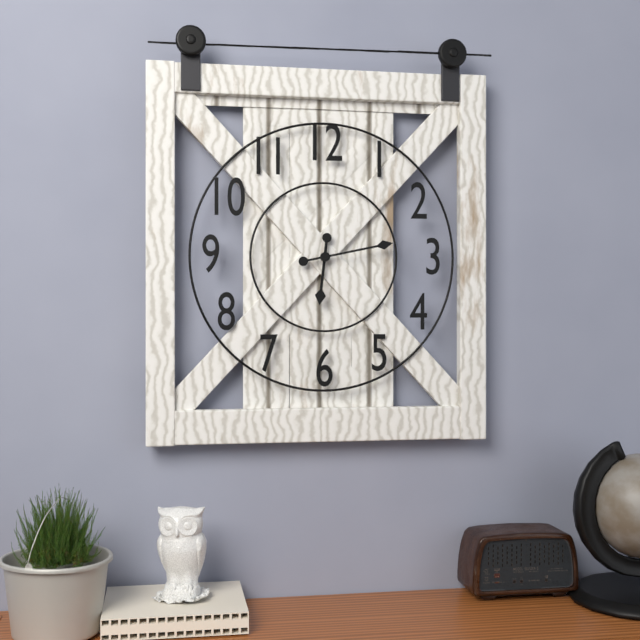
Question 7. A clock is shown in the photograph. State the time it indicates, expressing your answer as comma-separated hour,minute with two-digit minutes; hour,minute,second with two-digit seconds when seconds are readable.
6,13
